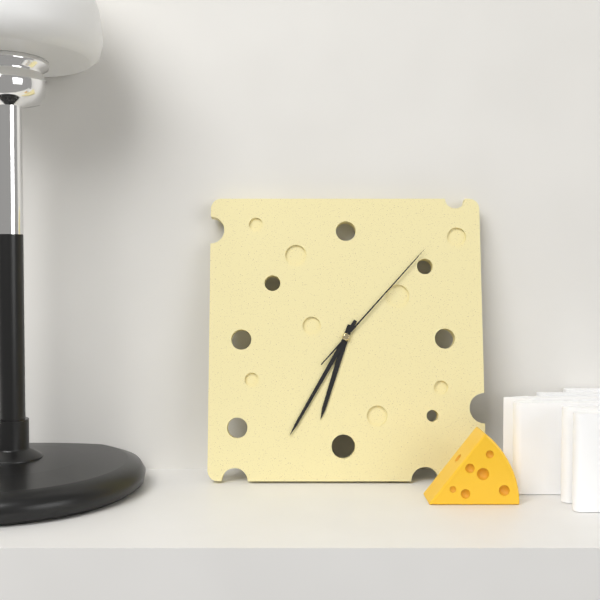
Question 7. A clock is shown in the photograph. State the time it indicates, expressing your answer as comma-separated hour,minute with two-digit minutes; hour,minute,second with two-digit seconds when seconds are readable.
6,35,07
